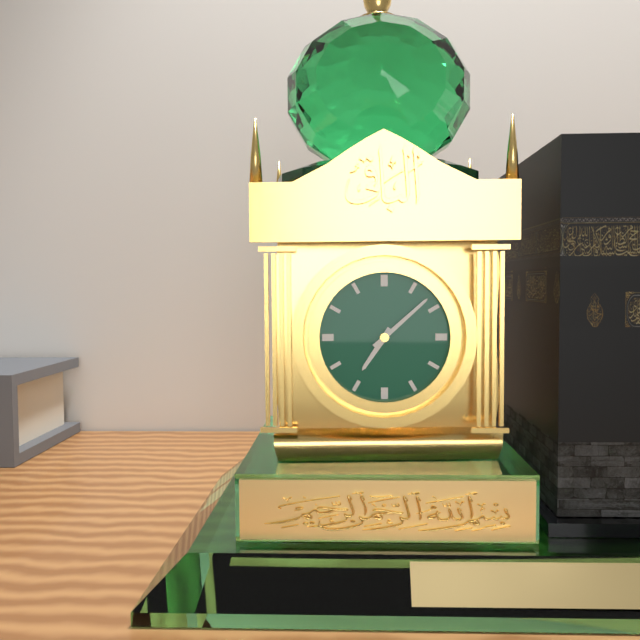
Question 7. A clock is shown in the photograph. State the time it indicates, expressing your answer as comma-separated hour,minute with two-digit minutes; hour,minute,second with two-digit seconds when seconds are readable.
7,08
